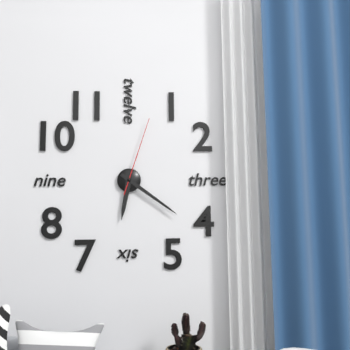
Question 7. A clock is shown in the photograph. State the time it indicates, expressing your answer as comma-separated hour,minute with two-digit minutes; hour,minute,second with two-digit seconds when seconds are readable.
6,21,03
